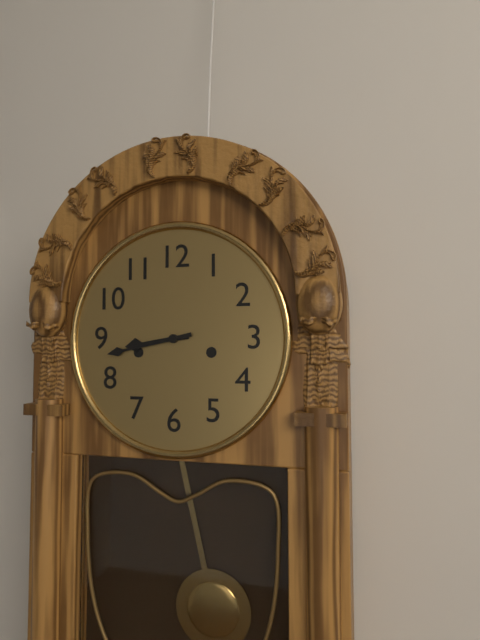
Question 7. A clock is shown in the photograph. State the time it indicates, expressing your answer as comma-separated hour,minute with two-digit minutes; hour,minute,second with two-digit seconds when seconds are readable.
8,43
